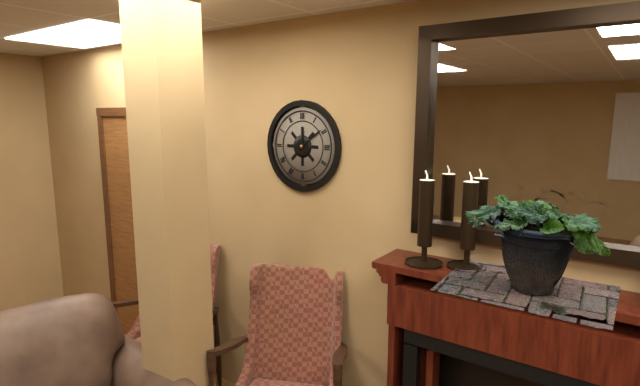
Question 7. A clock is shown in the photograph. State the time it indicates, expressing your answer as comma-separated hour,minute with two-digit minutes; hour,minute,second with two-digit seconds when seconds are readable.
12,09
